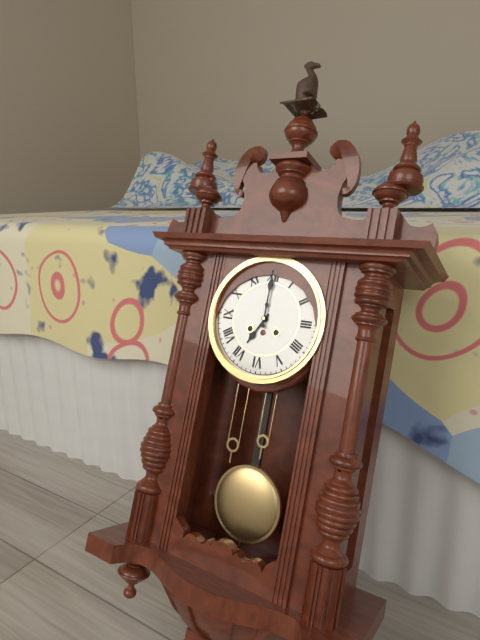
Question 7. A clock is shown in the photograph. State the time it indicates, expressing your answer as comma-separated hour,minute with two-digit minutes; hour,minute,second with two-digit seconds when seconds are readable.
7,00
